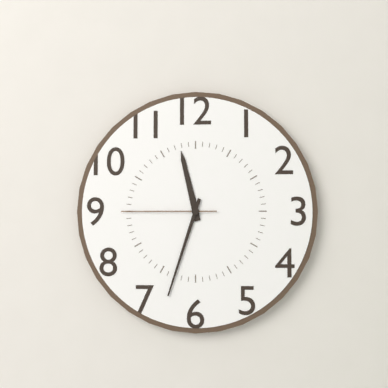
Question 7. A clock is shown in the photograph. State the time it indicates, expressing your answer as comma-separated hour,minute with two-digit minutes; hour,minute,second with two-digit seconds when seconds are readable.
11,33,45
